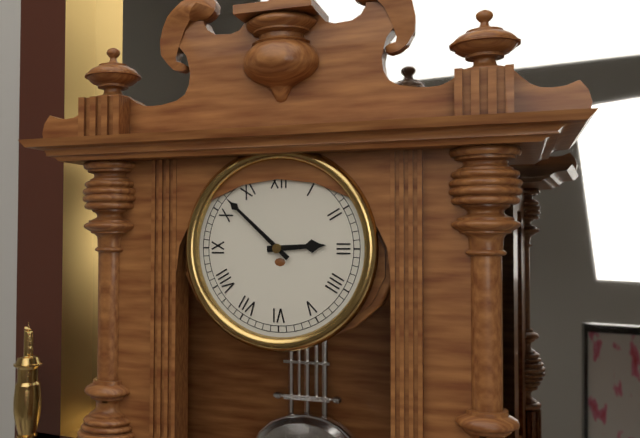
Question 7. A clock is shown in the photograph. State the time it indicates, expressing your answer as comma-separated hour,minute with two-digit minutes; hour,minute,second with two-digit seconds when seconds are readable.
2,52
